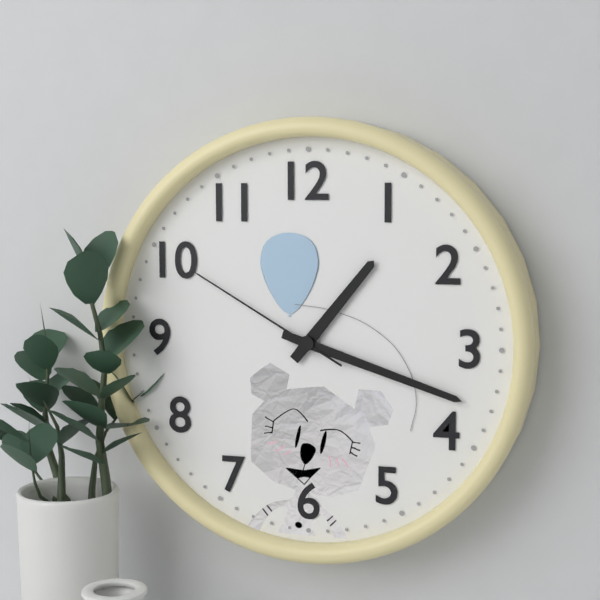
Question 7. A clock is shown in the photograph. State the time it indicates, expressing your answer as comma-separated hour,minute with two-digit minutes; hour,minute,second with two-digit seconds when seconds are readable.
1,18,50
